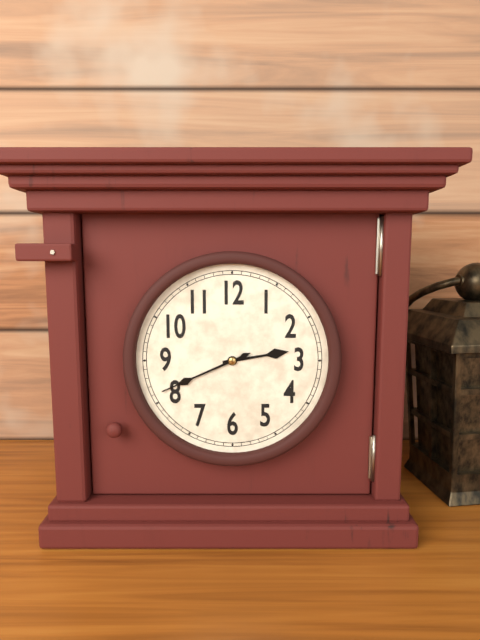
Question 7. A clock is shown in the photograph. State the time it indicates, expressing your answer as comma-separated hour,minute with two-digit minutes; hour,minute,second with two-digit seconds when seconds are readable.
2,41
